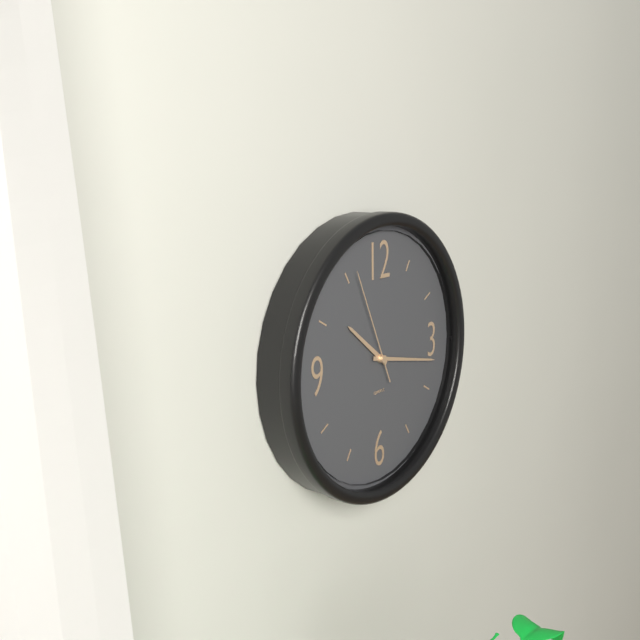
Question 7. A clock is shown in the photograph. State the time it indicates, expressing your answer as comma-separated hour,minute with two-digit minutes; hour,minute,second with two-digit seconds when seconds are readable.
10,17,56
